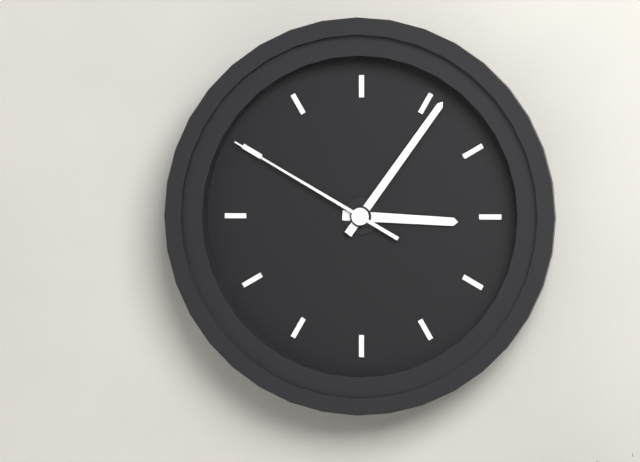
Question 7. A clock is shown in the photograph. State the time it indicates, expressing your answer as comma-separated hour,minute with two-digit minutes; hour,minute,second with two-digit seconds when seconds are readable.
3,06,50
